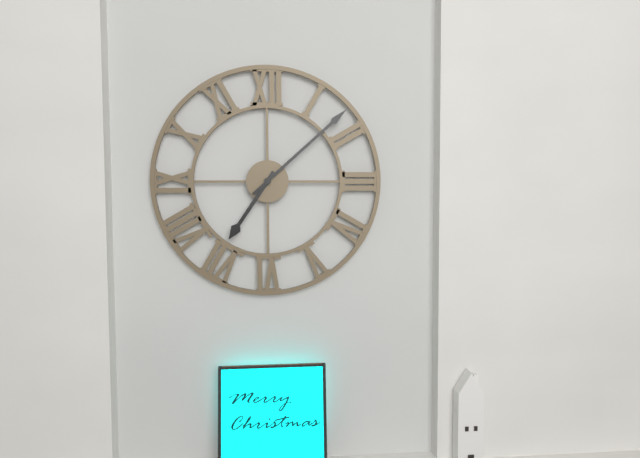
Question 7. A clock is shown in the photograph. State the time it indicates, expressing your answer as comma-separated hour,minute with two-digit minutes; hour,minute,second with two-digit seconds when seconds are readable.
7,08
